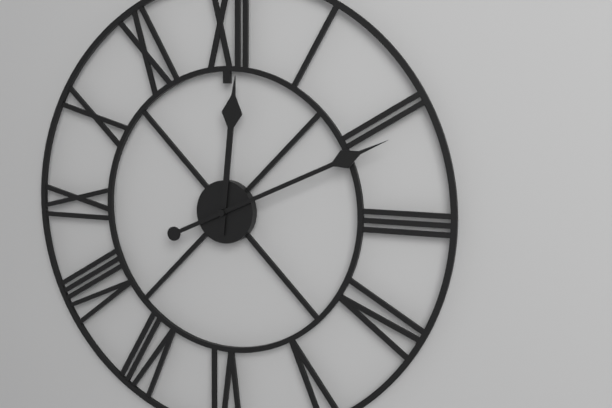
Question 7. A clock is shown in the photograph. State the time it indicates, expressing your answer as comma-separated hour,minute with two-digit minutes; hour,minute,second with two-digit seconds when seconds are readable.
12,11
